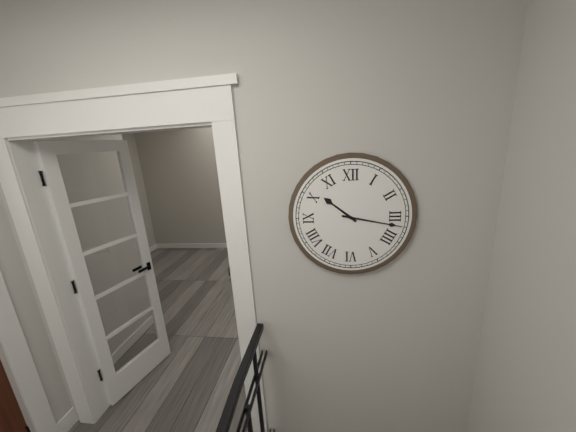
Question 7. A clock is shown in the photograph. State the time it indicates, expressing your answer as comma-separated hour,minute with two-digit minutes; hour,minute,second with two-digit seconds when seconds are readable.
10,17
